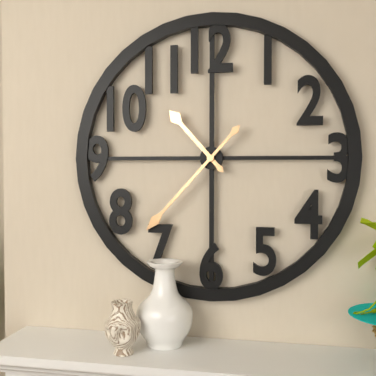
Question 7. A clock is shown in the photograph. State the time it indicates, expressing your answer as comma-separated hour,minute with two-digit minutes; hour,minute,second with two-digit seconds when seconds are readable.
10,37
